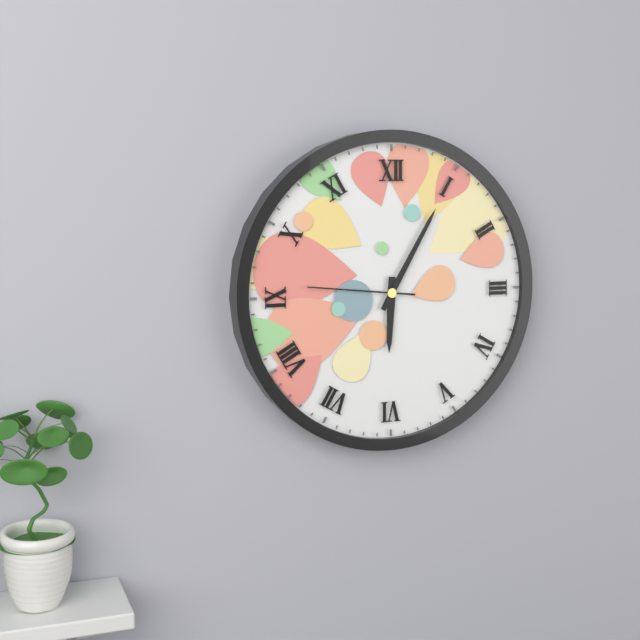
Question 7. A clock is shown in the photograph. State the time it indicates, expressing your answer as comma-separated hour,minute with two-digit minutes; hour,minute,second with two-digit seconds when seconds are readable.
6,05,46
